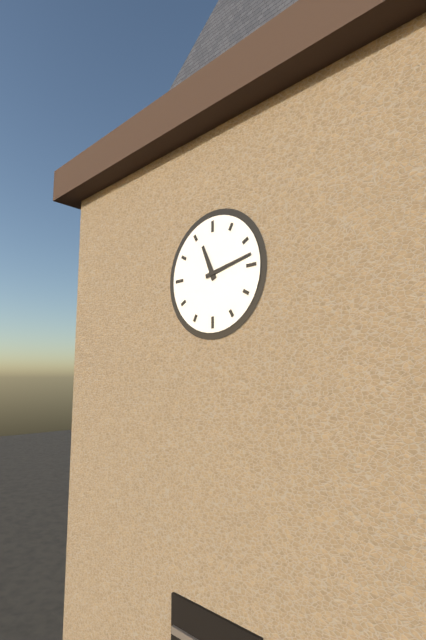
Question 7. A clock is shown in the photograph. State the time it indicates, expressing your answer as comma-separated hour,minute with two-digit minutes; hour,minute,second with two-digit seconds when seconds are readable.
11,13
